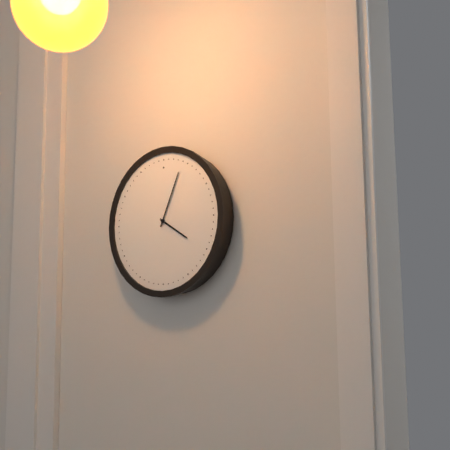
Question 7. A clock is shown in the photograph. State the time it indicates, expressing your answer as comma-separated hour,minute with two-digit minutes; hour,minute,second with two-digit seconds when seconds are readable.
4,04
